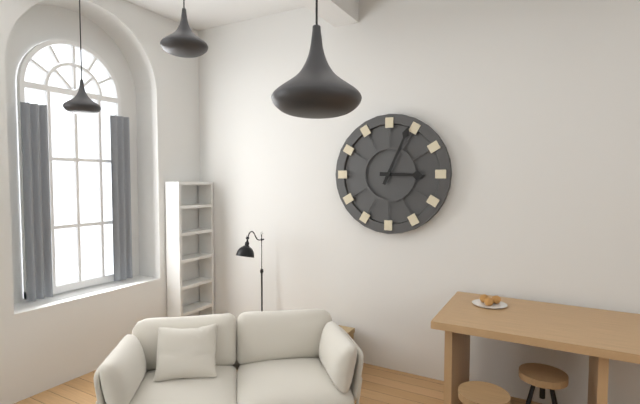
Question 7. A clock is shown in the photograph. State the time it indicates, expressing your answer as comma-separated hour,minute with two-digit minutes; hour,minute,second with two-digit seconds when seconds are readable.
3,04
